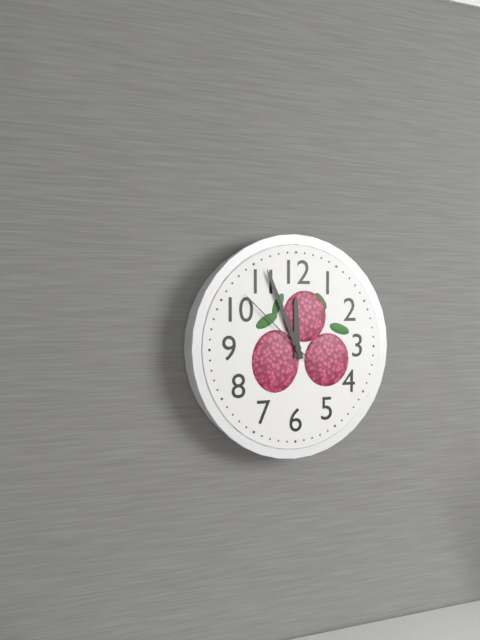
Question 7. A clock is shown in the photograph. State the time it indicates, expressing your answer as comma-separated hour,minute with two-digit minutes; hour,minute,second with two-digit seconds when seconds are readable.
11,56,52
